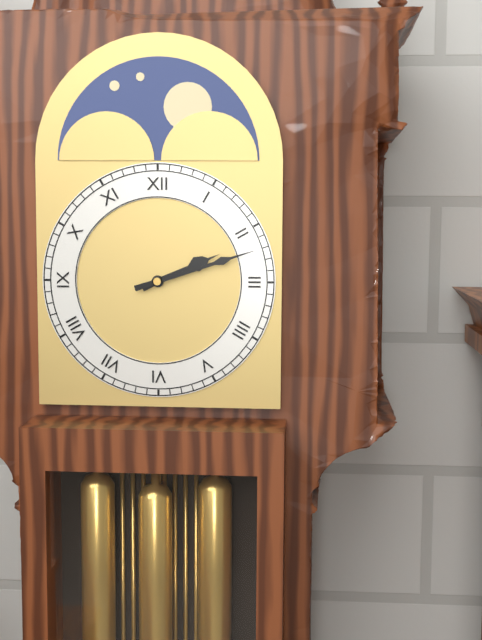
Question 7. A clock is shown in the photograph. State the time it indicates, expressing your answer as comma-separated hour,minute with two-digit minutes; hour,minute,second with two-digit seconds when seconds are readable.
2,12
